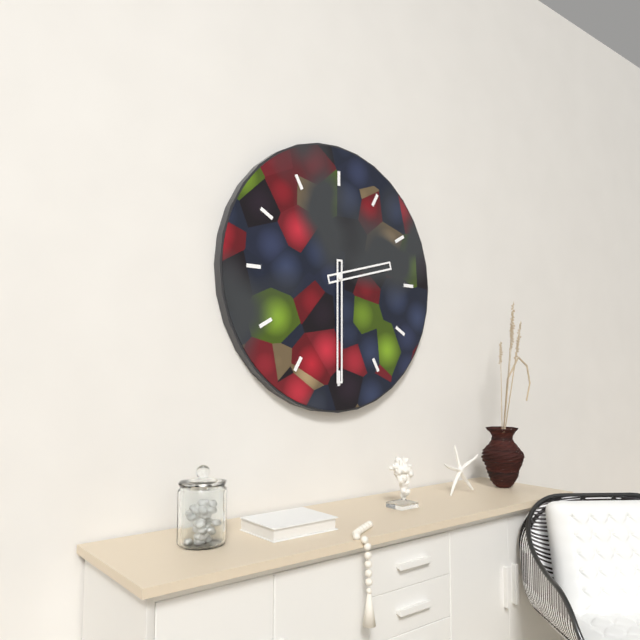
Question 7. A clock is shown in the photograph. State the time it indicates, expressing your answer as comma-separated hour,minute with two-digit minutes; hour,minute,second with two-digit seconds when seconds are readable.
2,30
